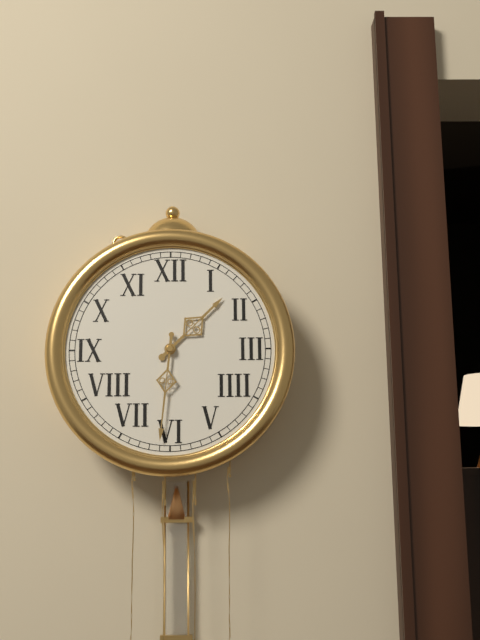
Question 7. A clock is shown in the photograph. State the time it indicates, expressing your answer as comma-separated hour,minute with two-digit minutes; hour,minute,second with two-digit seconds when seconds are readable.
1,31
